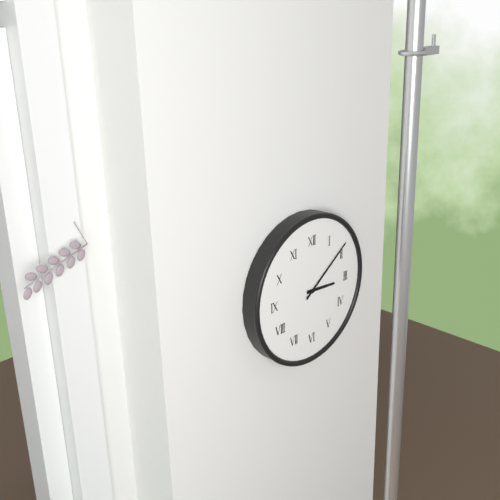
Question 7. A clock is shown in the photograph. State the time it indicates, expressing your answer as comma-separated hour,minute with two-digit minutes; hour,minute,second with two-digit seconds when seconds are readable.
3,09
